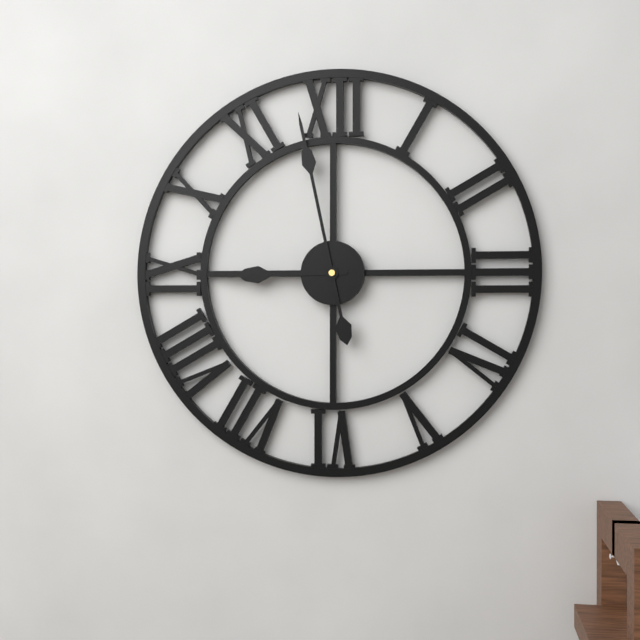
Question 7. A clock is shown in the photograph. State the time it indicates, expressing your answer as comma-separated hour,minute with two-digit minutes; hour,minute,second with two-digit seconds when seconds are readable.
8,58
